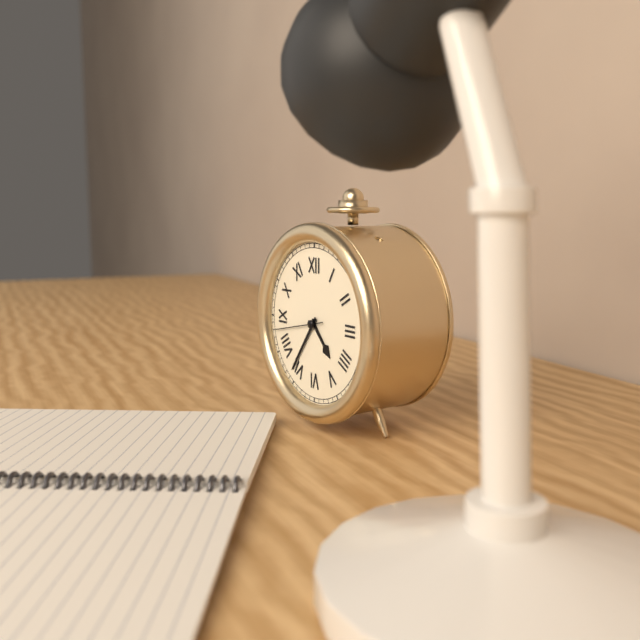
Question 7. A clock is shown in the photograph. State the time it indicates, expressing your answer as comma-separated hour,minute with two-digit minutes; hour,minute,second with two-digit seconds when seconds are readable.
4,36
